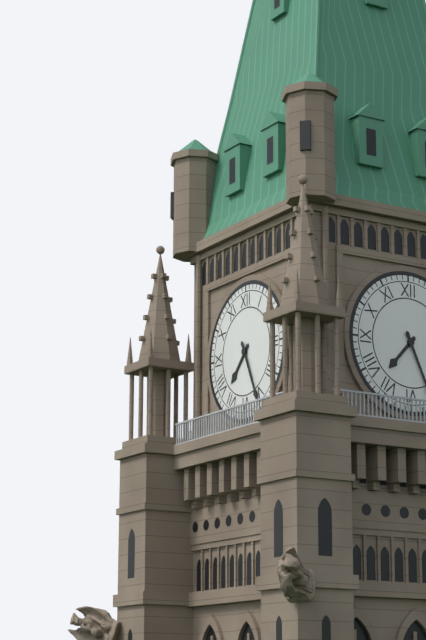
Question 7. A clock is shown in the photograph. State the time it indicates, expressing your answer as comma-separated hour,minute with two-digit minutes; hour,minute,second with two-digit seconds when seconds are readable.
7,26
